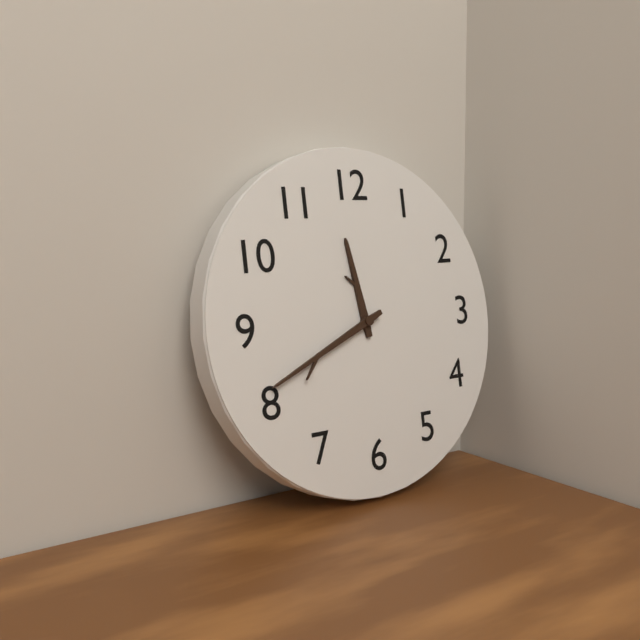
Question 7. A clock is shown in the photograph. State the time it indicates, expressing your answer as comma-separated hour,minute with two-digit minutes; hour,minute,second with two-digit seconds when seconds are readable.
11,41
